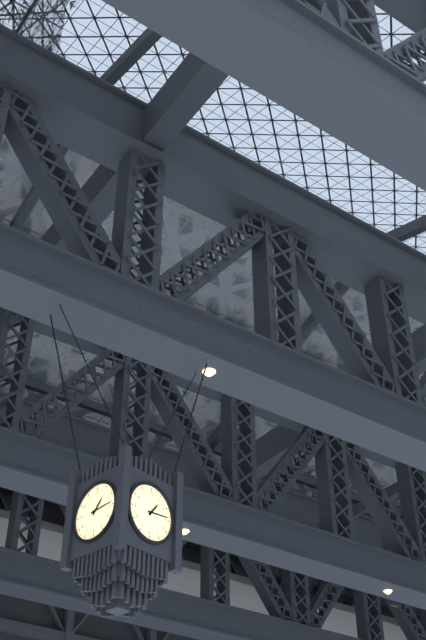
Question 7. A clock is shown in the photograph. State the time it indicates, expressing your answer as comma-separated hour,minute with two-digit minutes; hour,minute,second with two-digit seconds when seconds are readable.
1,14
